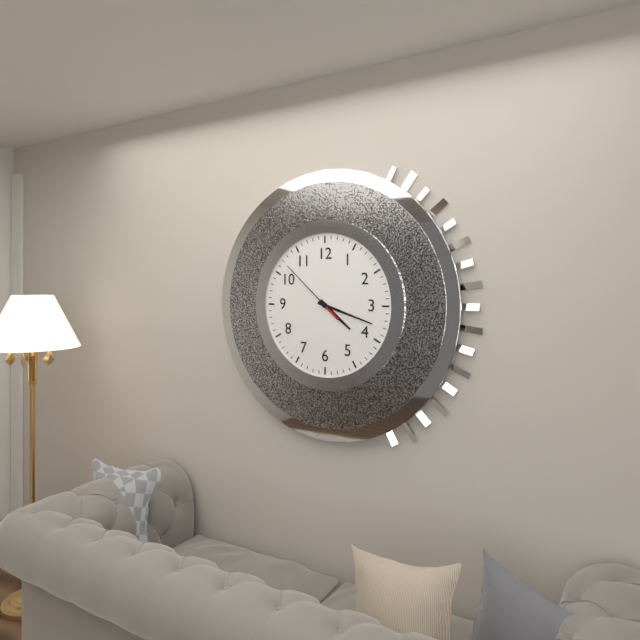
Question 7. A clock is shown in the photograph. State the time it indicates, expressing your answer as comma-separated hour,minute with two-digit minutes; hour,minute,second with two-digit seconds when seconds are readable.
4,18,52
